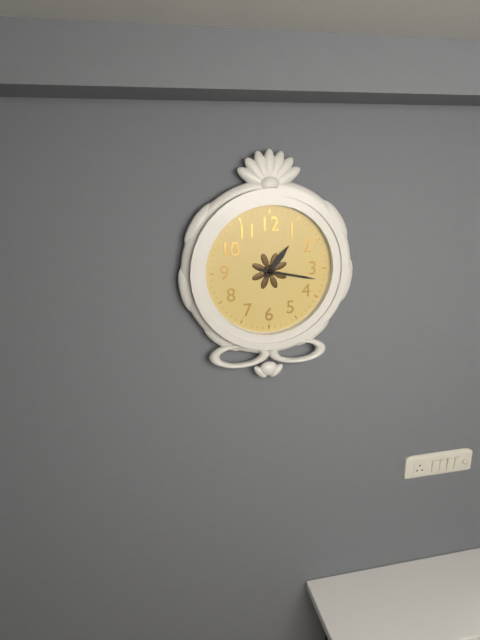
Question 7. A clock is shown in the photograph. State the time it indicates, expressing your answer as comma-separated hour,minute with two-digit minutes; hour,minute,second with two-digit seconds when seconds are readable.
1,17
